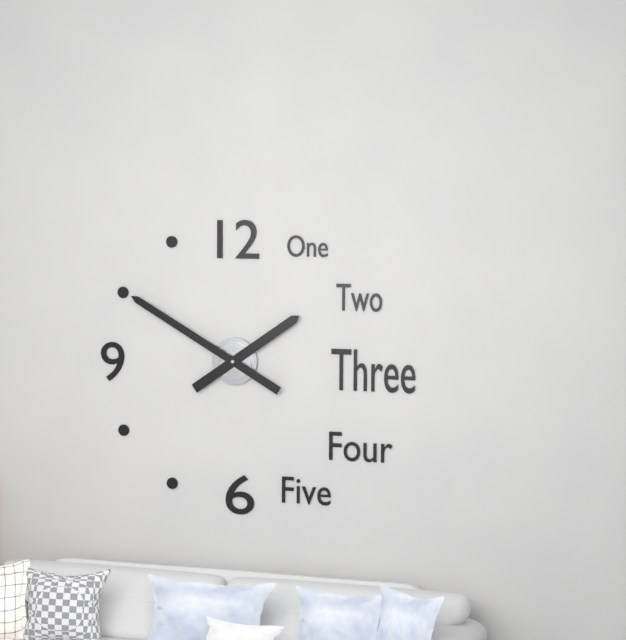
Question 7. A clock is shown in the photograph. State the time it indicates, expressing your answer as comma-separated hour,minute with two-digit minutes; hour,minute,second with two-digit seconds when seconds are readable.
1,50
